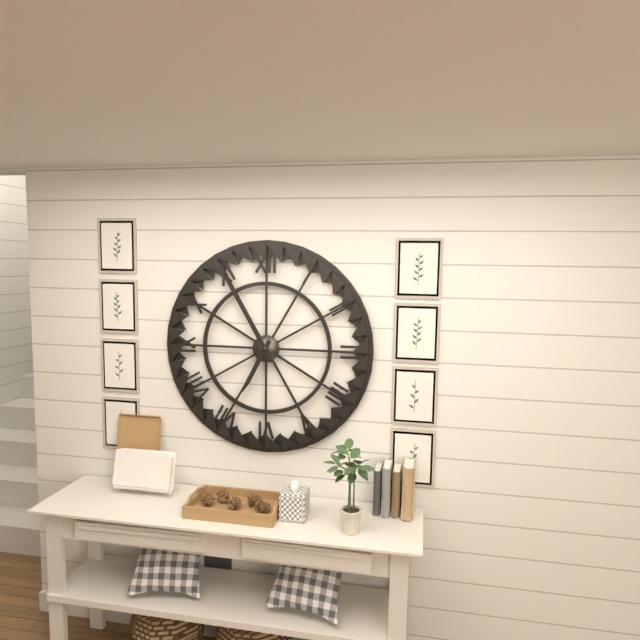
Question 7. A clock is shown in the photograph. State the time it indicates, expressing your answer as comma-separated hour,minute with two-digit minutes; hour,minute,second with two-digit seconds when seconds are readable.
6,55
